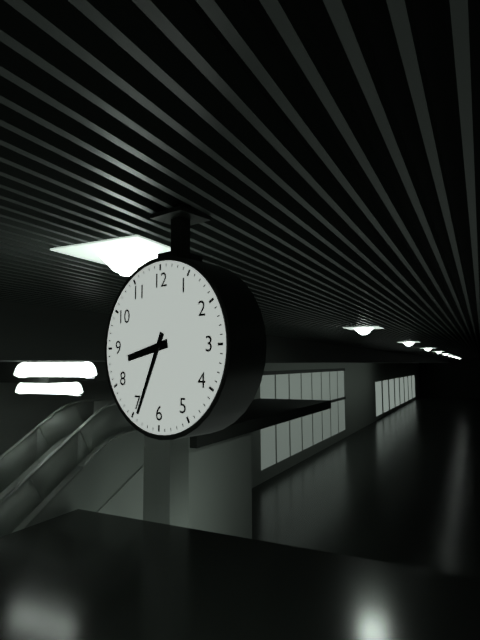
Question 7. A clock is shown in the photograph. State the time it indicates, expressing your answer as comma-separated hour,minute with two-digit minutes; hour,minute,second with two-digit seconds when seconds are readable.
8,34
